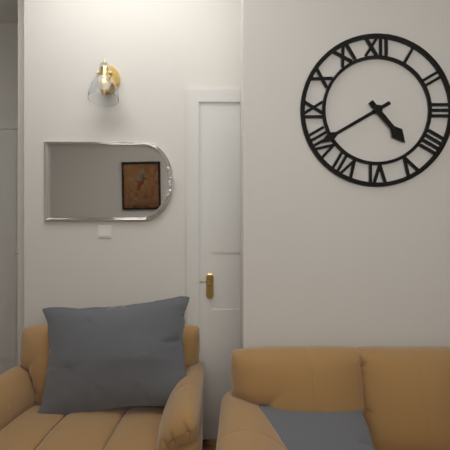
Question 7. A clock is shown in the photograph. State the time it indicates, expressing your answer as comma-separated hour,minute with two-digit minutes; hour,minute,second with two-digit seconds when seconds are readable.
4,40
